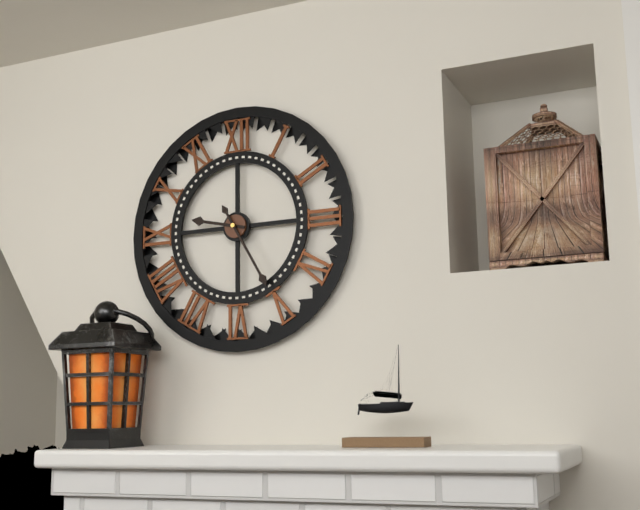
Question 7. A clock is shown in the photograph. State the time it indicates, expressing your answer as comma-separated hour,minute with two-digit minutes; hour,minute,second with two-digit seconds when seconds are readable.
9,25
